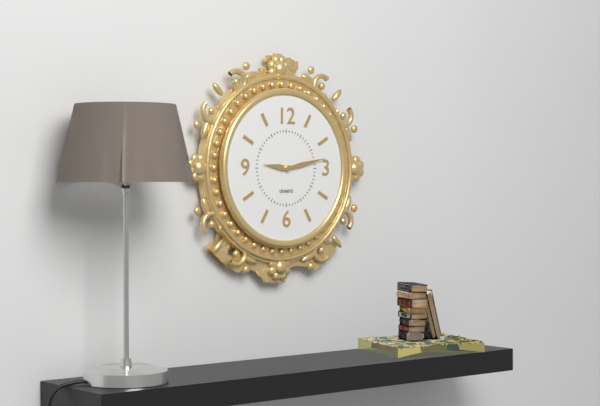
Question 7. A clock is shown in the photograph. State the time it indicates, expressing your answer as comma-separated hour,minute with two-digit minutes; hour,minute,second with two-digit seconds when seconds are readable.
9,13
